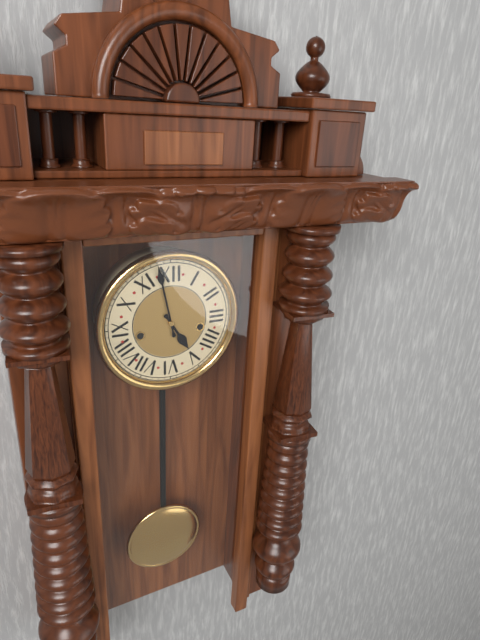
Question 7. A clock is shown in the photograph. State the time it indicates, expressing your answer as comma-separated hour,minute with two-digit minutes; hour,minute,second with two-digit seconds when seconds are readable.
4,58
